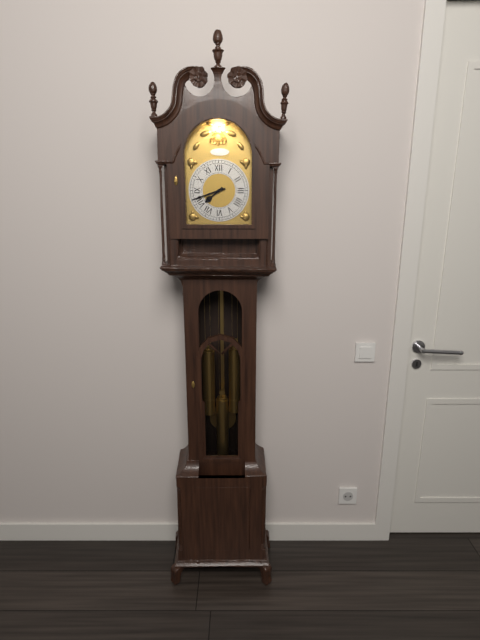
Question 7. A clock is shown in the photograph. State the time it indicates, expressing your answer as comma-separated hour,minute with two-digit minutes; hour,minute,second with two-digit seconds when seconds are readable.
7,42
